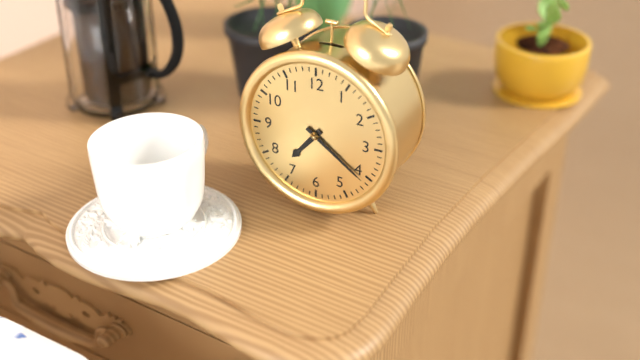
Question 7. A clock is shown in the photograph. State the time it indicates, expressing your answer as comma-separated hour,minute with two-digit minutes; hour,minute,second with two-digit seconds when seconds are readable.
7,21
